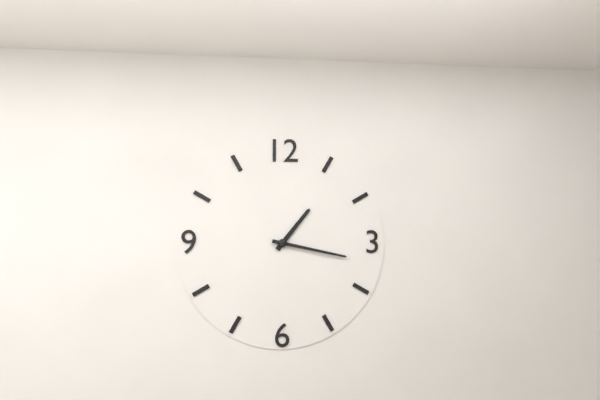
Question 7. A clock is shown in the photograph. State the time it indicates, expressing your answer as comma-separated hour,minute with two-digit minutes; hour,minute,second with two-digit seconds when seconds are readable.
1,17
